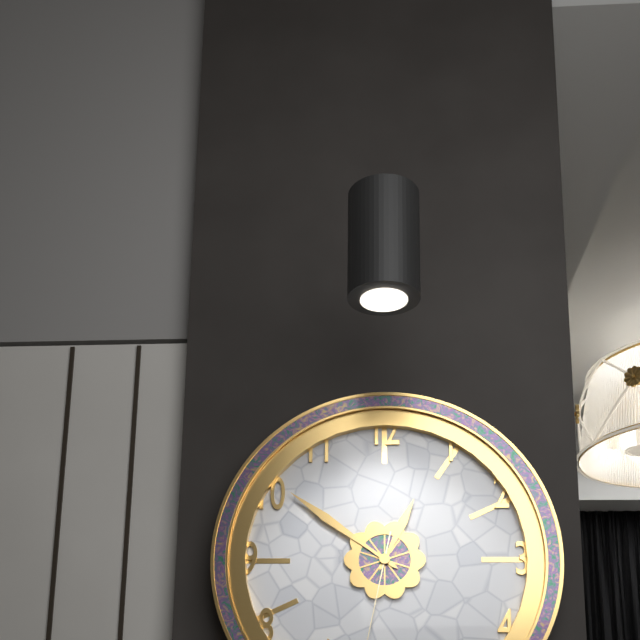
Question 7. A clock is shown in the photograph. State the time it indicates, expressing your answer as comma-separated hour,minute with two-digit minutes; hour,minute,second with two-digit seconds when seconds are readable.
12,51
